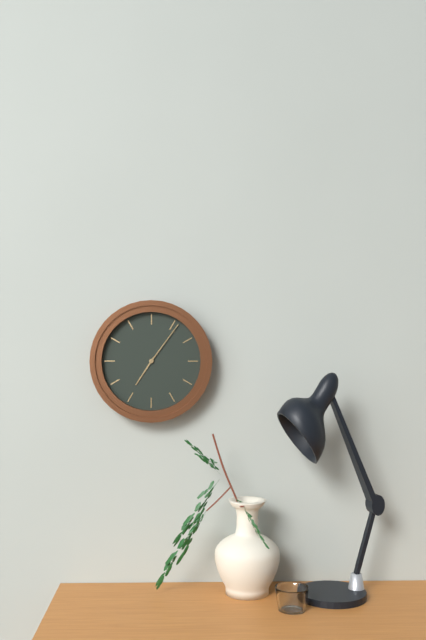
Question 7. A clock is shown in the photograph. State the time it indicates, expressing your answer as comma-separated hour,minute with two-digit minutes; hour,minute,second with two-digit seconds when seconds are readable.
7,06
